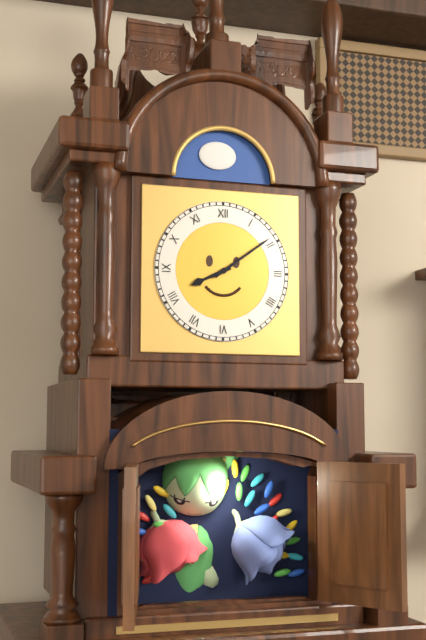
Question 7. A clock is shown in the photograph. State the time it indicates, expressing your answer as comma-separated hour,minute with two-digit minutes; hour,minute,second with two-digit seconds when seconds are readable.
8,09
